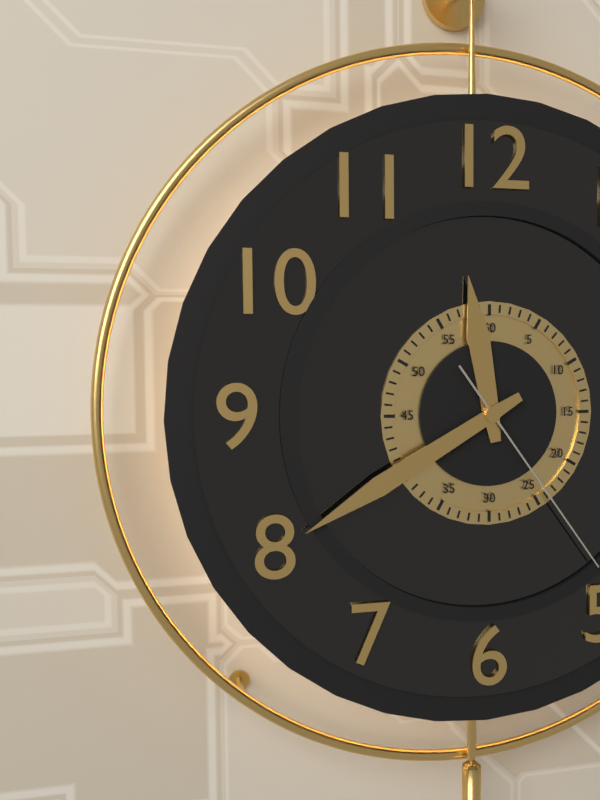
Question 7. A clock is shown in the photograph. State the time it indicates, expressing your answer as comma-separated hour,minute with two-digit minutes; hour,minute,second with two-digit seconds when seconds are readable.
11,40,24
